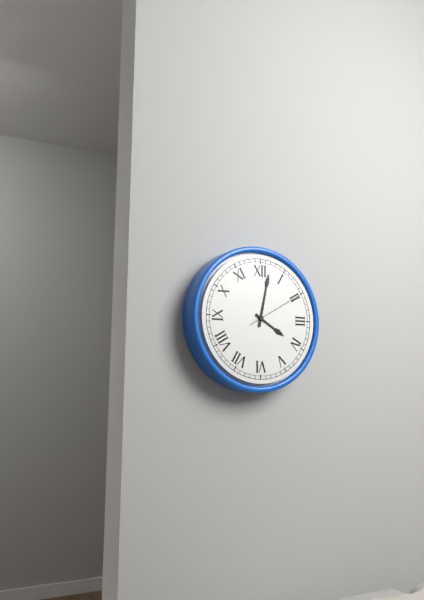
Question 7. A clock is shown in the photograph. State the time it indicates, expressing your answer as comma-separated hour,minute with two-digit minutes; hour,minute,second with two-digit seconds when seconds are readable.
4,02,10
